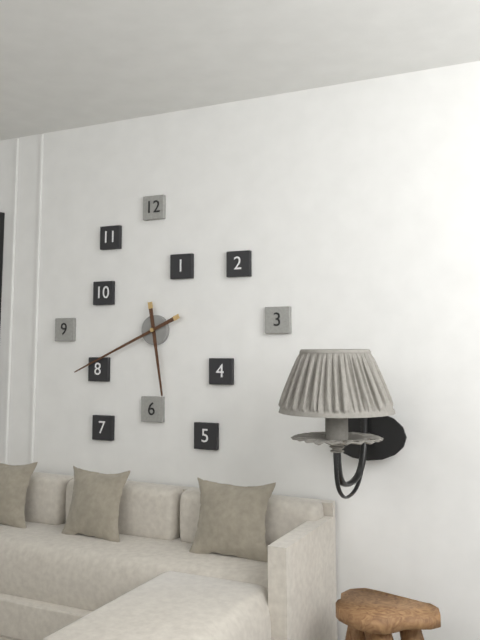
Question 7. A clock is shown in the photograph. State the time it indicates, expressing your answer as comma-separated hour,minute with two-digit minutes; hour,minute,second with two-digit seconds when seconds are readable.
5,41
